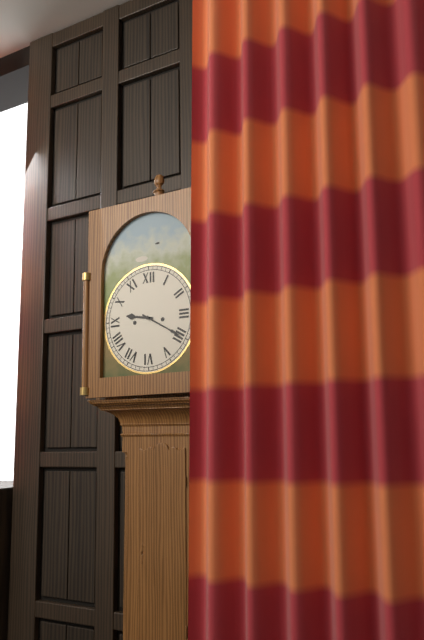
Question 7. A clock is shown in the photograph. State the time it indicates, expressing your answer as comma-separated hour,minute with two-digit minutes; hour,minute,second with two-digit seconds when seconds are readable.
9,20
